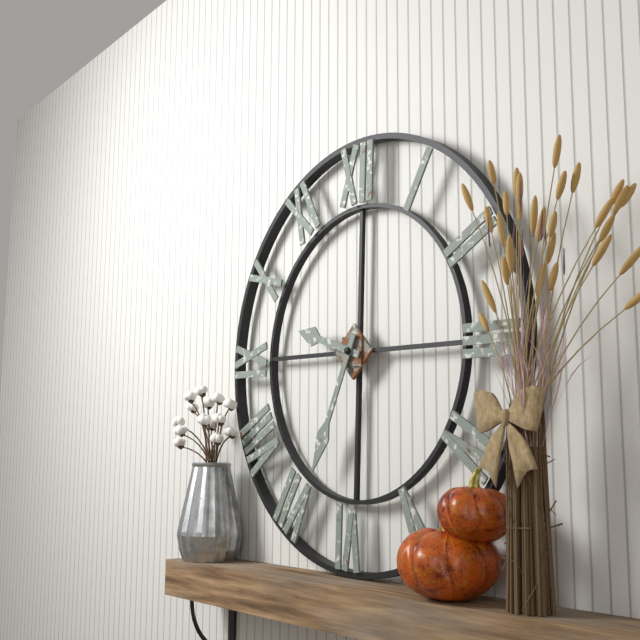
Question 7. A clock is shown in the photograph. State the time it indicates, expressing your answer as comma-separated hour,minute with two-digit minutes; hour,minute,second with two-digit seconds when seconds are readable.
9,34
